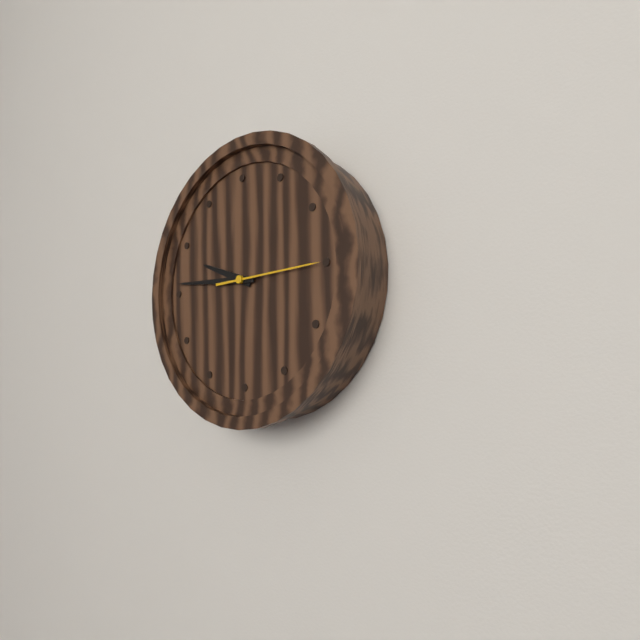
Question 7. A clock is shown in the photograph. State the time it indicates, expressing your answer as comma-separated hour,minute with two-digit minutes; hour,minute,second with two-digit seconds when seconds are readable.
9,46,15
